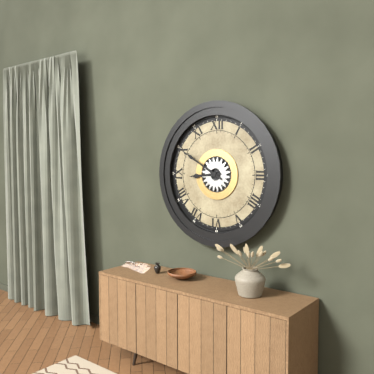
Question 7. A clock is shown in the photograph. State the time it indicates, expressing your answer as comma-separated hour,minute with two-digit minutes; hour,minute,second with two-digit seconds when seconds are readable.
8,50
